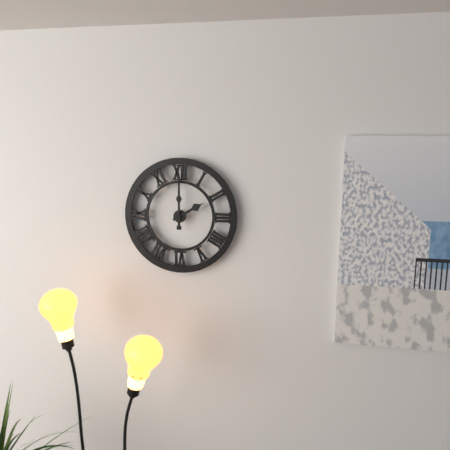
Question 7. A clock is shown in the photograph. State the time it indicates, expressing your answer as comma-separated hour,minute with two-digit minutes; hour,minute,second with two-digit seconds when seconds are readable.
2,00
